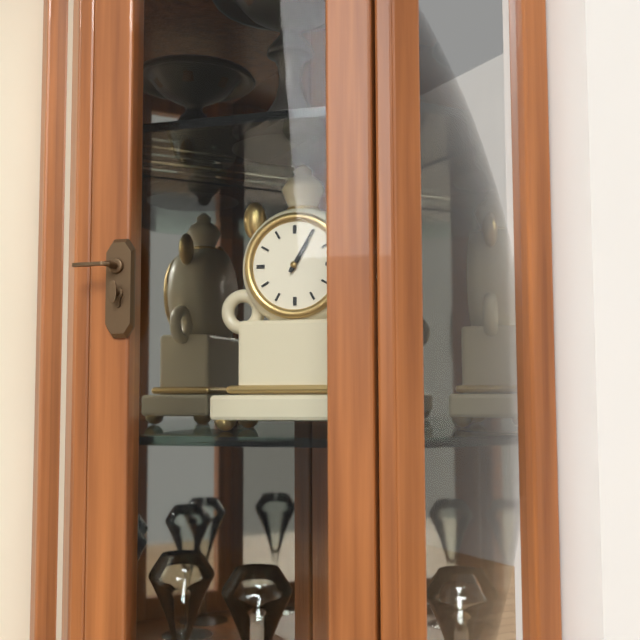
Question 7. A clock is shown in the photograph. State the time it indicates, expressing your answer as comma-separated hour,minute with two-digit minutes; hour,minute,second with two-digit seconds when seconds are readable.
1,05
